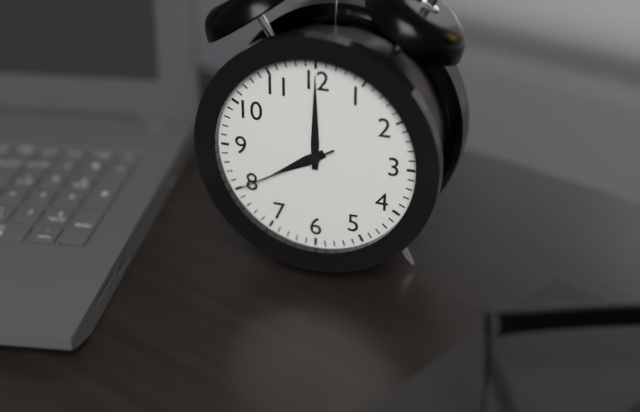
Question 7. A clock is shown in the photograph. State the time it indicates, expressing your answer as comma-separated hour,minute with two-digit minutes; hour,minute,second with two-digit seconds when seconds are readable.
8,00,40
